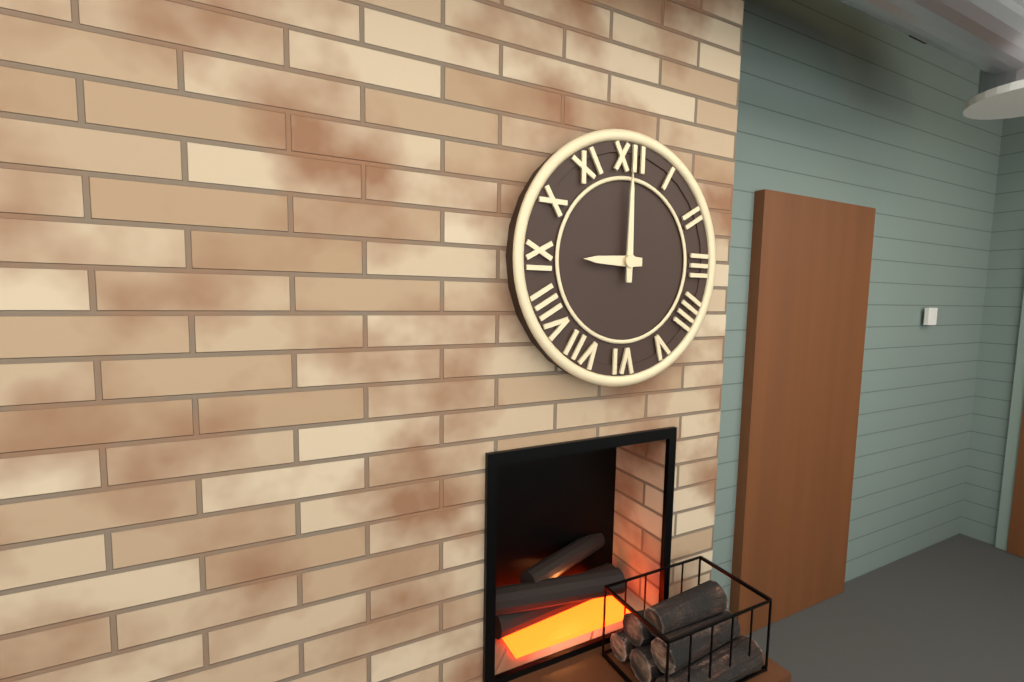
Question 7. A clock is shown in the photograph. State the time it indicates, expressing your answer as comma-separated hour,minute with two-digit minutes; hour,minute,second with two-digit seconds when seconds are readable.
9,00
